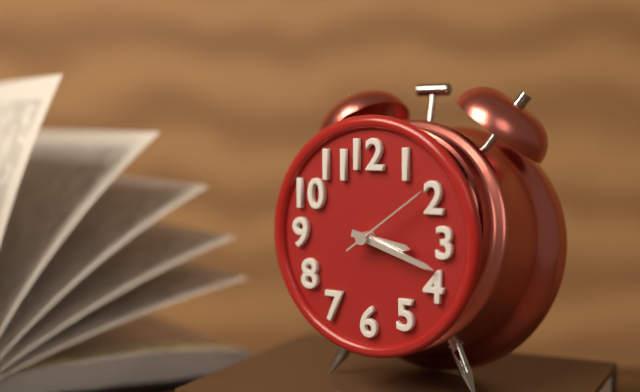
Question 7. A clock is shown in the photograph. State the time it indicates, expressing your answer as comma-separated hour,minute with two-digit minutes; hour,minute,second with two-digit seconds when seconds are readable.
3,18,09
